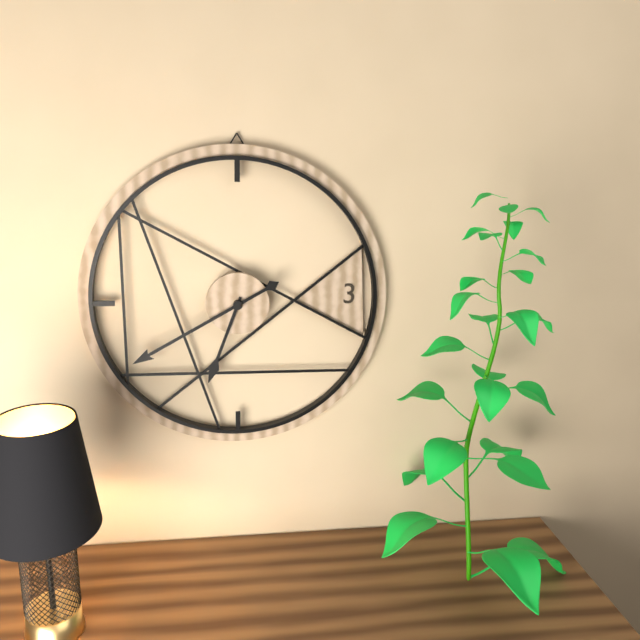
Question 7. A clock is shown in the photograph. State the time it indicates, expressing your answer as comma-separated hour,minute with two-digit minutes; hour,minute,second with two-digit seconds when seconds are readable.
6,40
